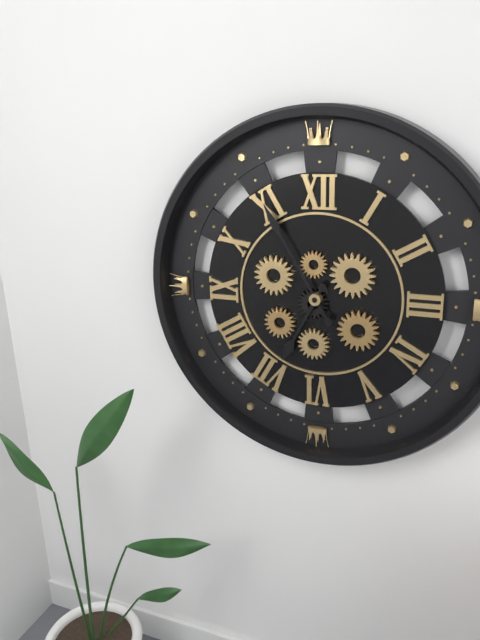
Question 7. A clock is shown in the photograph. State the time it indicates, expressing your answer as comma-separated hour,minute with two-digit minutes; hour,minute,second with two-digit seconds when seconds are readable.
6,55
